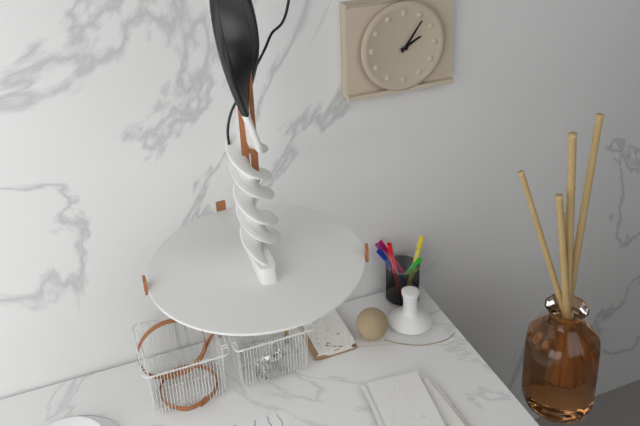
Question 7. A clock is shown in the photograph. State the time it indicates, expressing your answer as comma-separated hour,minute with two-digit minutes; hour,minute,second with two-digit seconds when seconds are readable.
2,06
